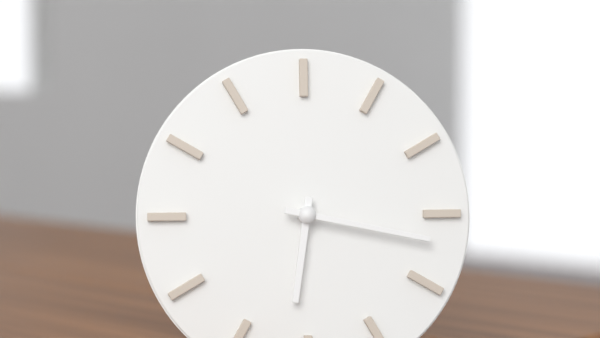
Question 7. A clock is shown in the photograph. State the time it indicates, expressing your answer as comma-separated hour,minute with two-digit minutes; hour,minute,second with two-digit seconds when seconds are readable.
6,17
